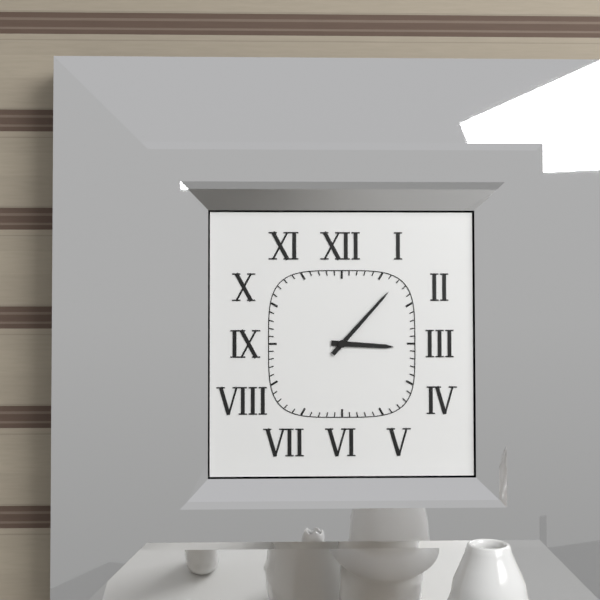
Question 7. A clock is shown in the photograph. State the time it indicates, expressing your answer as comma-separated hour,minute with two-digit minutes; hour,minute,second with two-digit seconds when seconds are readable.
3,07
